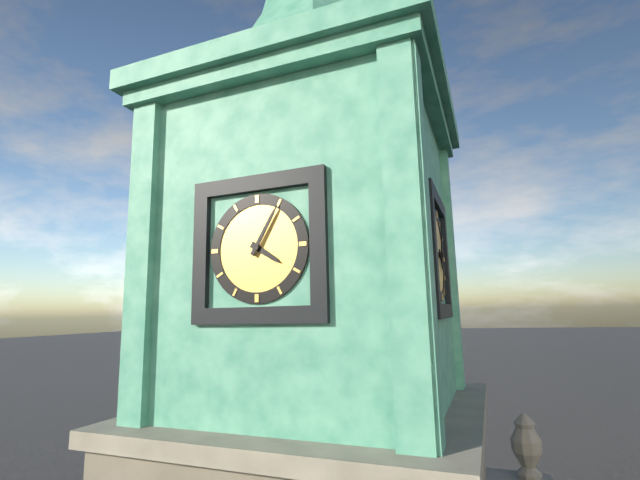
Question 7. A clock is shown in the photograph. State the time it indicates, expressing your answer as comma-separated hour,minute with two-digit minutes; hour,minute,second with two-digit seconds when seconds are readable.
4,05
